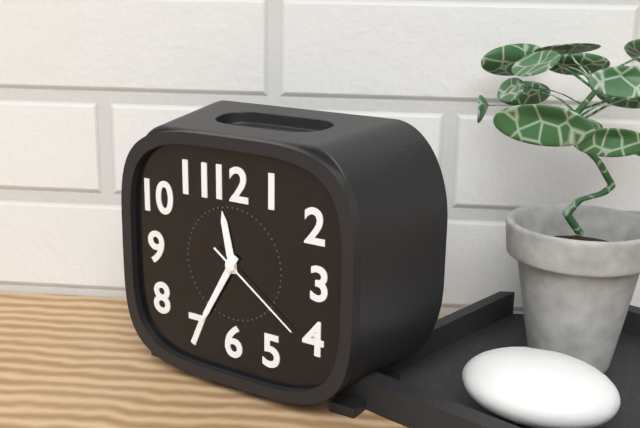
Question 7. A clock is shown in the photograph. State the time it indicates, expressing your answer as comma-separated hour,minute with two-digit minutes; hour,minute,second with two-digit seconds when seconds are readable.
11,35,21
